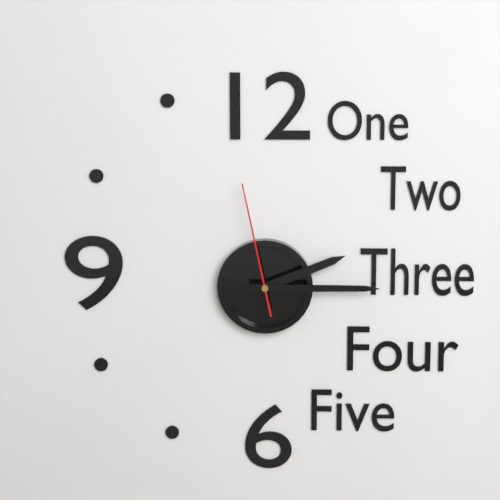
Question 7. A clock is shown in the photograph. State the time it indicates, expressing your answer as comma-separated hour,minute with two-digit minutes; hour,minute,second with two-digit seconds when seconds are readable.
2,15,58
